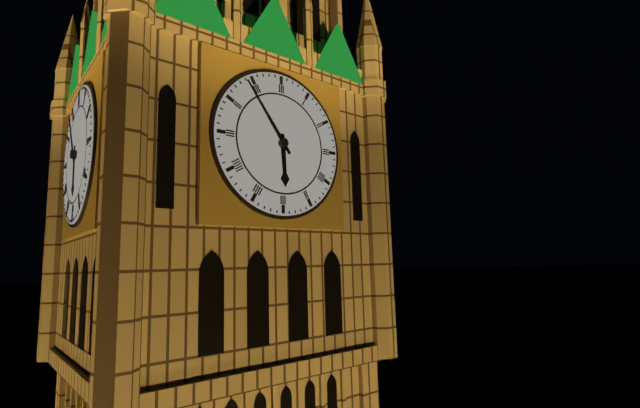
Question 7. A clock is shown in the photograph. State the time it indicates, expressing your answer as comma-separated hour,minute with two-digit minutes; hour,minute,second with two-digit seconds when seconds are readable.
5,54
